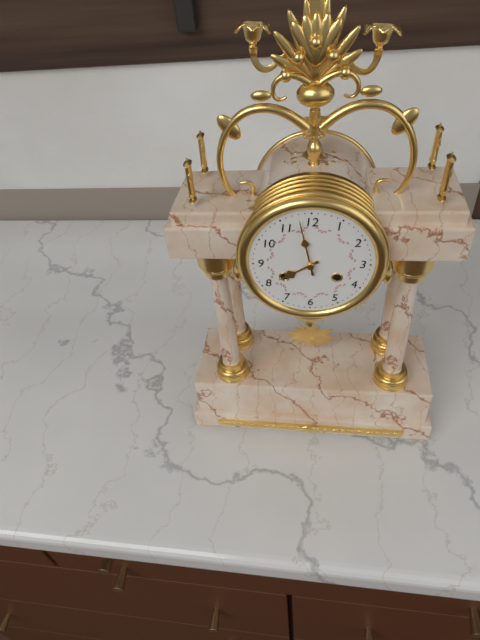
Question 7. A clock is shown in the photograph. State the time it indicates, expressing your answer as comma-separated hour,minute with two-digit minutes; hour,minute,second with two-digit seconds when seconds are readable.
7,58
